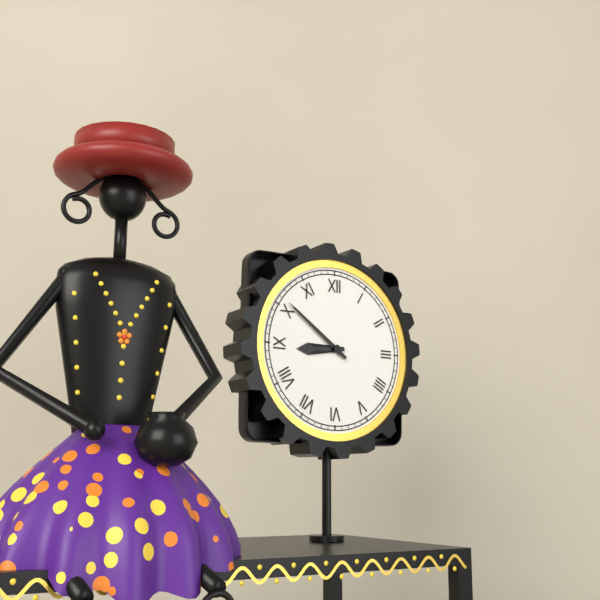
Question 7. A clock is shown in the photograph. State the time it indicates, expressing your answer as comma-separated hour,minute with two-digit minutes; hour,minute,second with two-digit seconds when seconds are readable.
8,51
